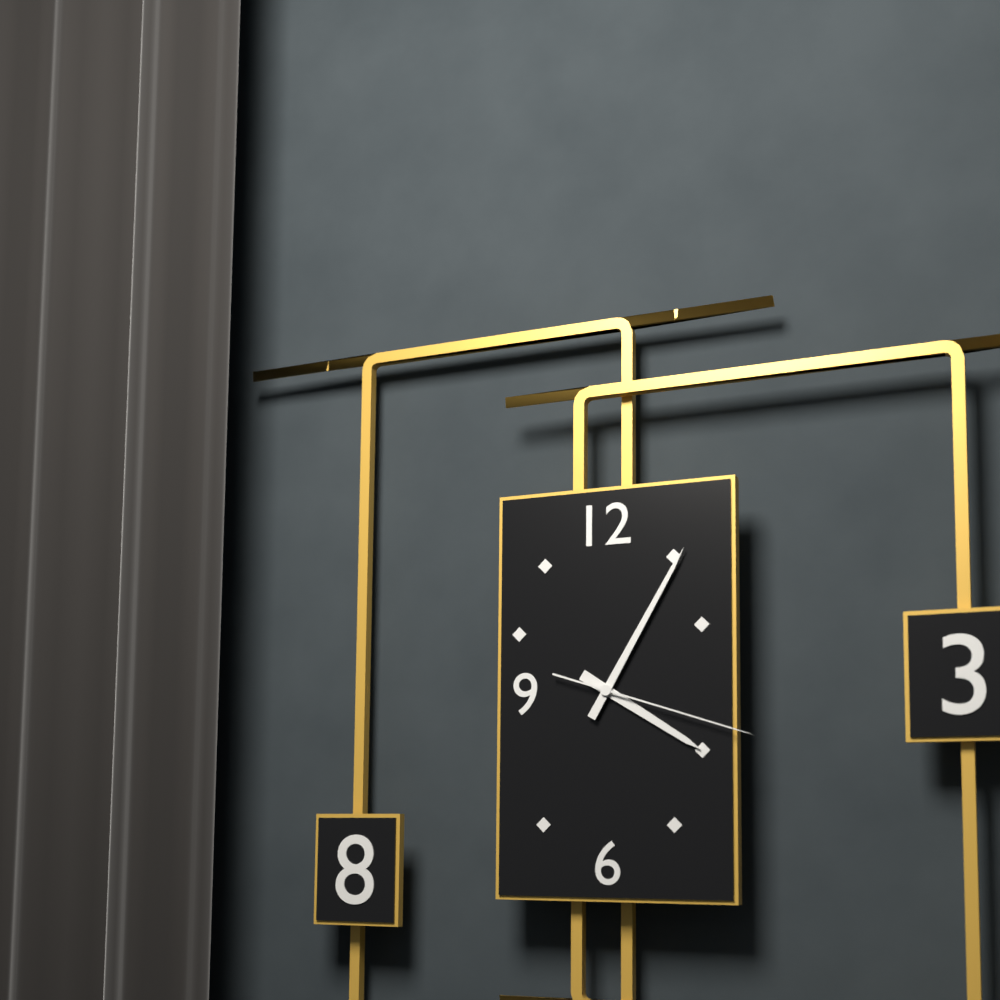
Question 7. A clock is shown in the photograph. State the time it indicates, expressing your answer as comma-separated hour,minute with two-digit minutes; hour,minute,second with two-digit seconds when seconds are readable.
4,05,18
